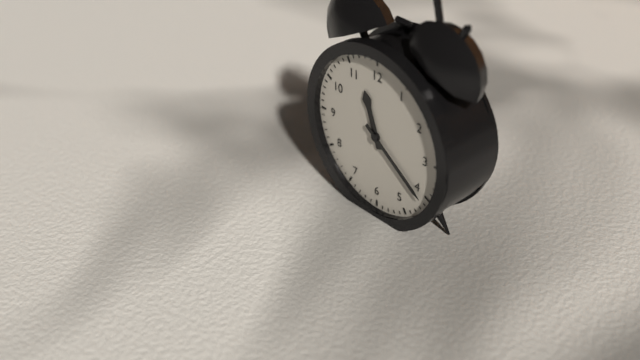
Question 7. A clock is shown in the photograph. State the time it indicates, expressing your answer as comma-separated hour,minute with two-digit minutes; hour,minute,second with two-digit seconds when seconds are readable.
11,21
